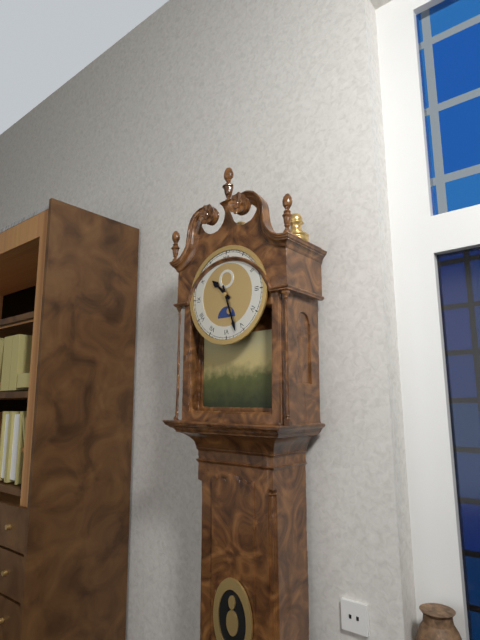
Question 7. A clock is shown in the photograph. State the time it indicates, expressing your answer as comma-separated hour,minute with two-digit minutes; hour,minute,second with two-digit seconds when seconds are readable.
10,27
